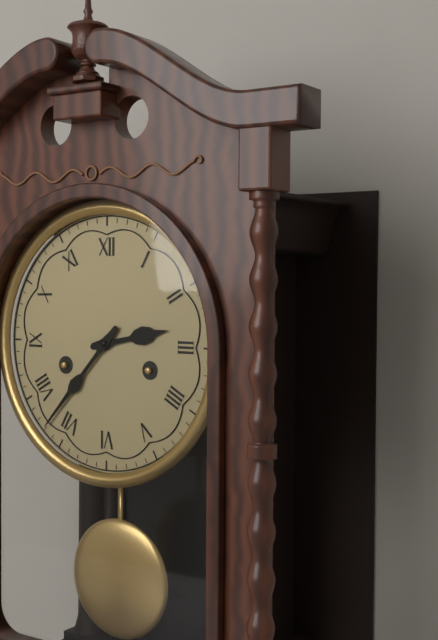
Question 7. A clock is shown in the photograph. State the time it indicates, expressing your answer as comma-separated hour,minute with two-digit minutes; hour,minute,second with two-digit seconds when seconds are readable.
2,37
